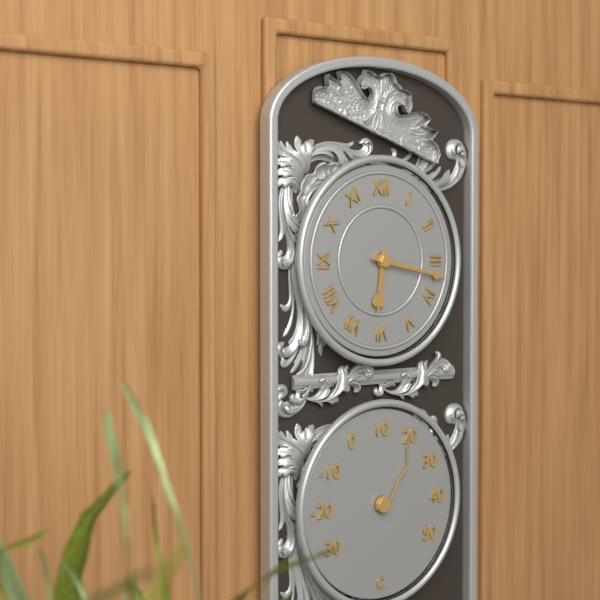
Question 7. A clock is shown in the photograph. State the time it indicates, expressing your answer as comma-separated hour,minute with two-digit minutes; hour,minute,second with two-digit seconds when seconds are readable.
6,17
